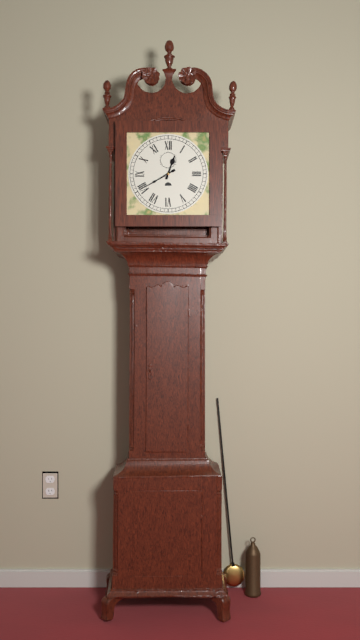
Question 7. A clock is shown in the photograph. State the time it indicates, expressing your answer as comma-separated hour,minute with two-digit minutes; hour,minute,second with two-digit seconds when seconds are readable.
12,40
